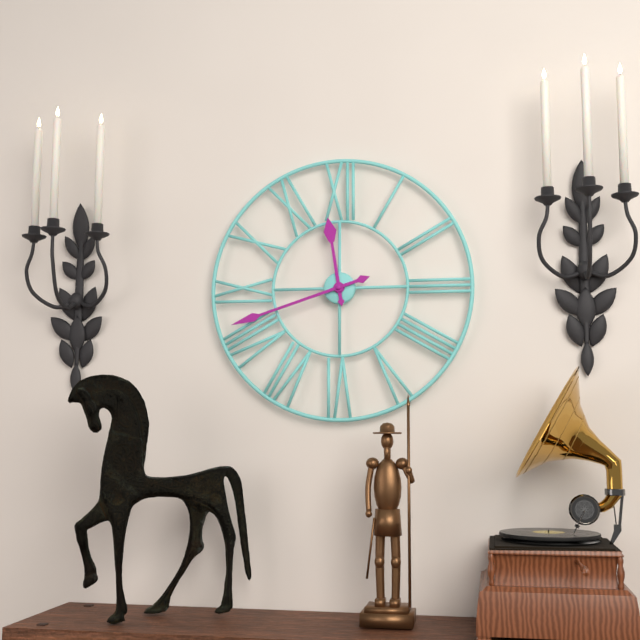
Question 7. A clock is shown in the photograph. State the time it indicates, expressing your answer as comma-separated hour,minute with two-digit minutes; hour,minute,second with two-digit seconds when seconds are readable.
11,42
